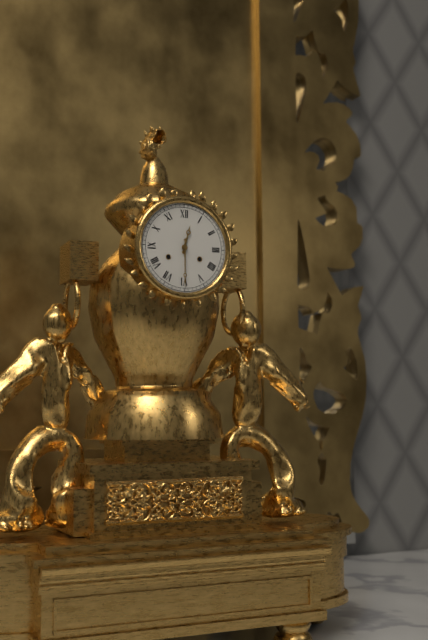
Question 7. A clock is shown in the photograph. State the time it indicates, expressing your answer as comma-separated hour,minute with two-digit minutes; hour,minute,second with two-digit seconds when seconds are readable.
12,30
